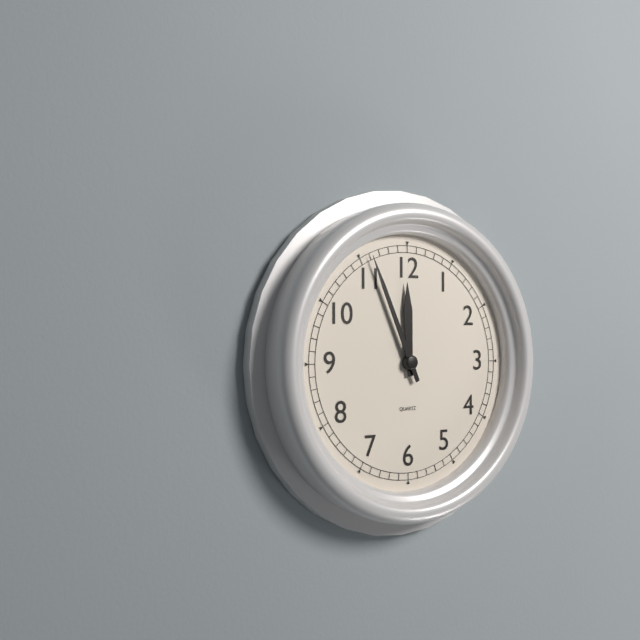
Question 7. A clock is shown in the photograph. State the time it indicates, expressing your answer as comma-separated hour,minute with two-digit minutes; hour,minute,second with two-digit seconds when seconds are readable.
11,56
